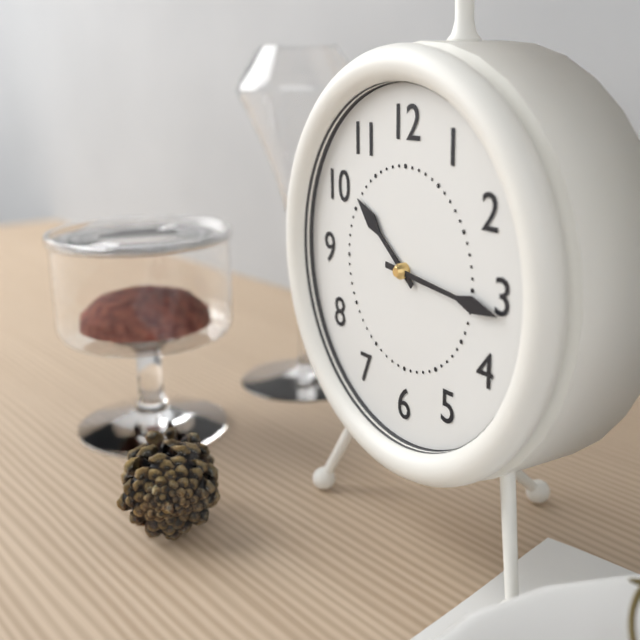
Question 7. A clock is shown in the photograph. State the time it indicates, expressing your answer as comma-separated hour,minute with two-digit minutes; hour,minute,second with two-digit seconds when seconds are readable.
10,16
